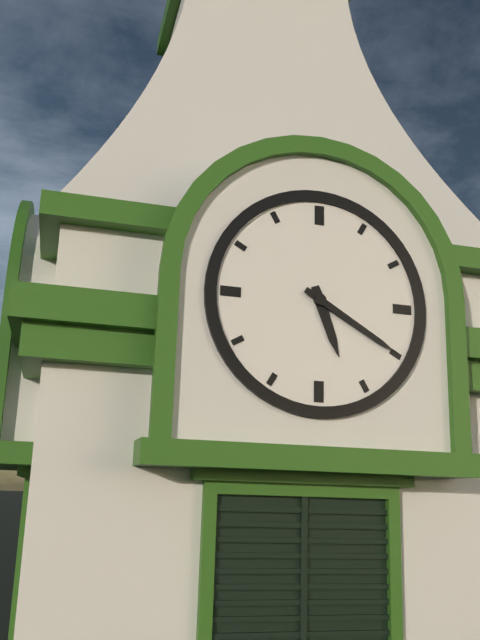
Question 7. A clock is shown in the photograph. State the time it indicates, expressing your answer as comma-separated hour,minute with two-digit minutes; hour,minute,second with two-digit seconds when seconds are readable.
5,20
